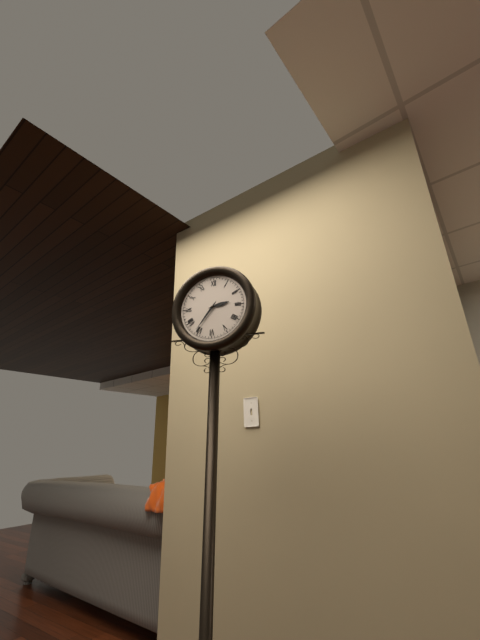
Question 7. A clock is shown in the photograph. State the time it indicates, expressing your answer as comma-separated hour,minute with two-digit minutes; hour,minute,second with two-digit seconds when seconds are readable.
2,36
